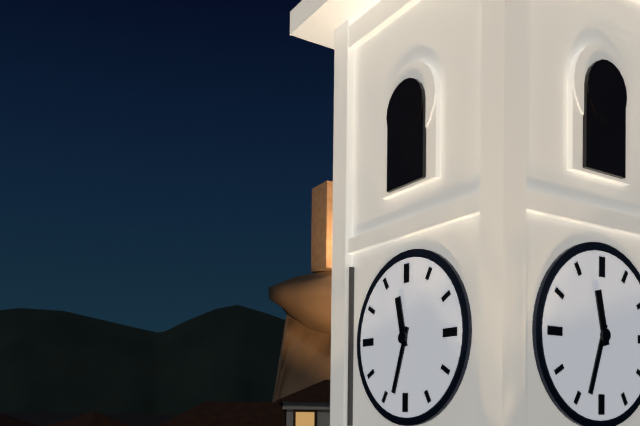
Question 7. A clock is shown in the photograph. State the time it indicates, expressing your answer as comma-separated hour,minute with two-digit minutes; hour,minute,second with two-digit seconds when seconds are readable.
11,33
